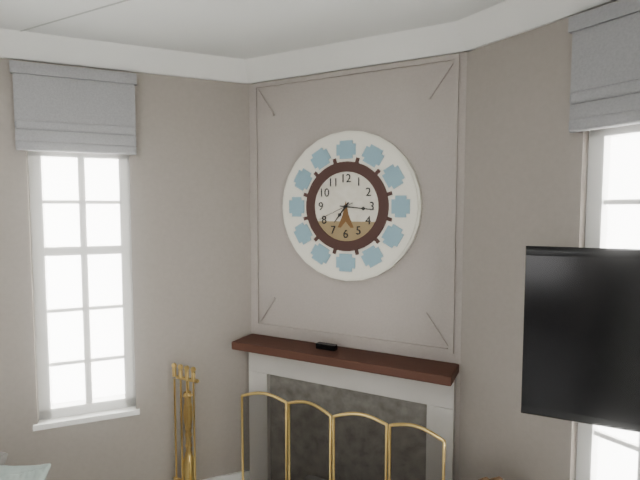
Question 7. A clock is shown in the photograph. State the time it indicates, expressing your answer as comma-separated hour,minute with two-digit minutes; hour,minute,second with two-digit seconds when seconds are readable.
7,16
